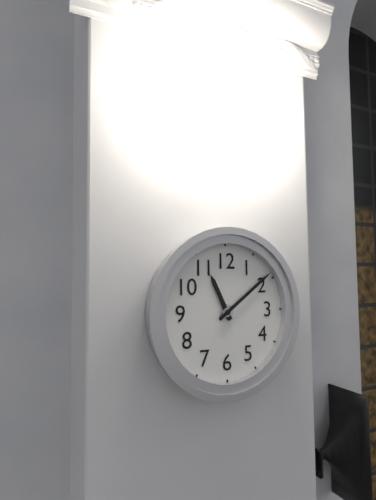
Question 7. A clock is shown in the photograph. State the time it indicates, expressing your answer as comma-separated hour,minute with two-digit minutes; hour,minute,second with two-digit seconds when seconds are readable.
11,09
